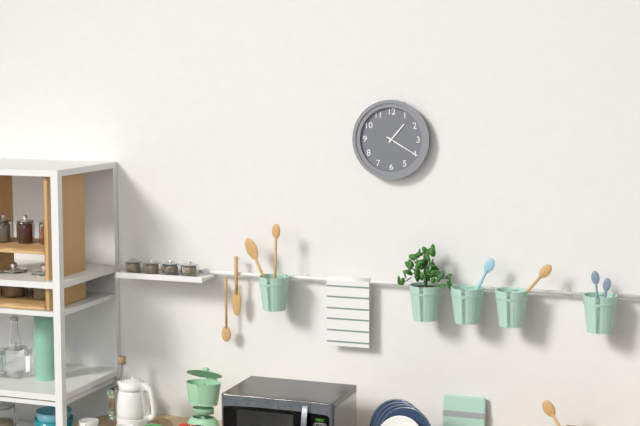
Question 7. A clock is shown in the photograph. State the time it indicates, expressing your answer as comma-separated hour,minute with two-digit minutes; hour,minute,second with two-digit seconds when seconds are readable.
1,20
